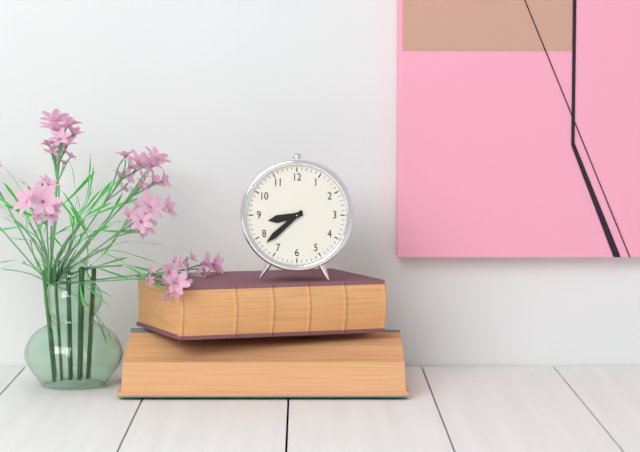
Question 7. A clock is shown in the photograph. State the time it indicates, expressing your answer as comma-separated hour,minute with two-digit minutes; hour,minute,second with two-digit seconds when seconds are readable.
8,38
